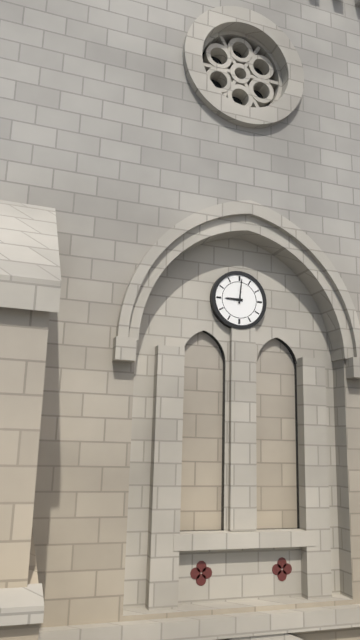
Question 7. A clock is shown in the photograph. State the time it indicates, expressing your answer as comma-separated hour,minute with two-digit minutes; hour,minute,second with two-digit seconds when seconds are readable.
9,01
